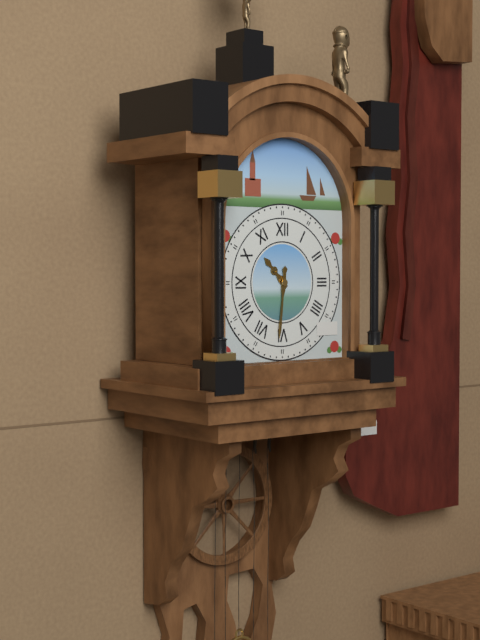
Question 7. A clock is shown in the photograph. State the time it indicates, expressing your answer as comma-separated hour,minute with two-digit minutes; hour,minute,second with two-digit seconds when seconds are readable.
10,31
